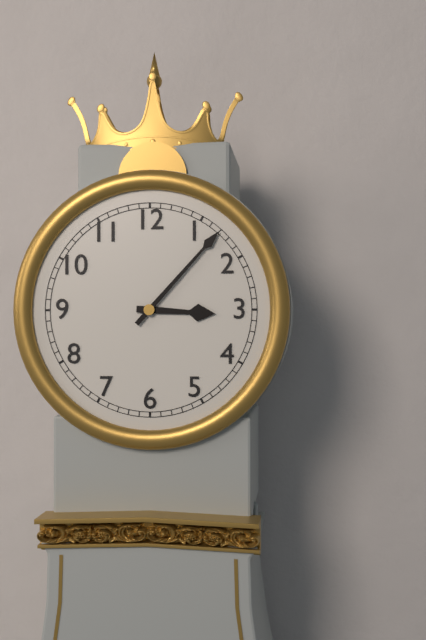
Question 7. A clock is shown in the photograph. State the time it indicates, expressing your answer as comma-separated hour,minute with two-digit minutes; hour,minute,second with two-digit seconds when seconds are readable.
3,07
